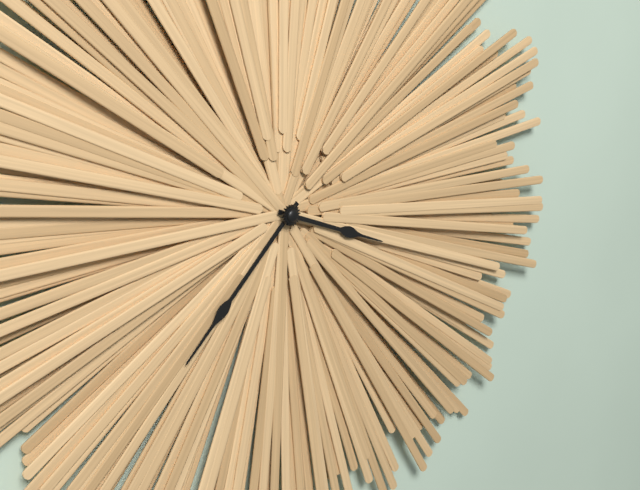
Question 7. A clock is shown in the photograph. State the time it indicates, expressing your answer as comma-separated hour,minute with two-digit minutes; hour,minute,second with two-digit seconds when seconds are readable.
3,37
